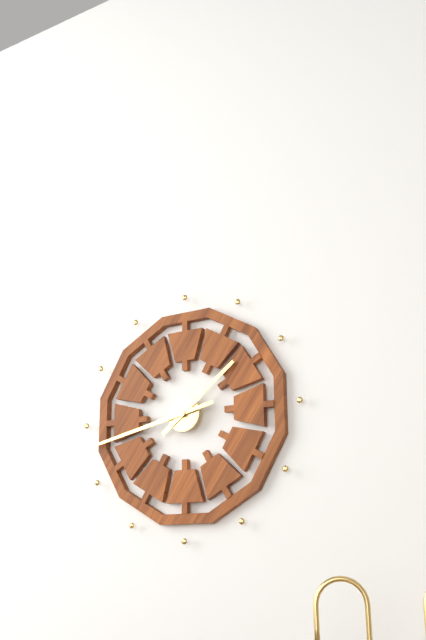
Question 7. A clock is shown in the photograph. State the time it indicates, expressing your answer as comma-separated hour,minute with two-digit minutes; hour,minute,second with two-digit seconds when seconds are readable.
1,43
